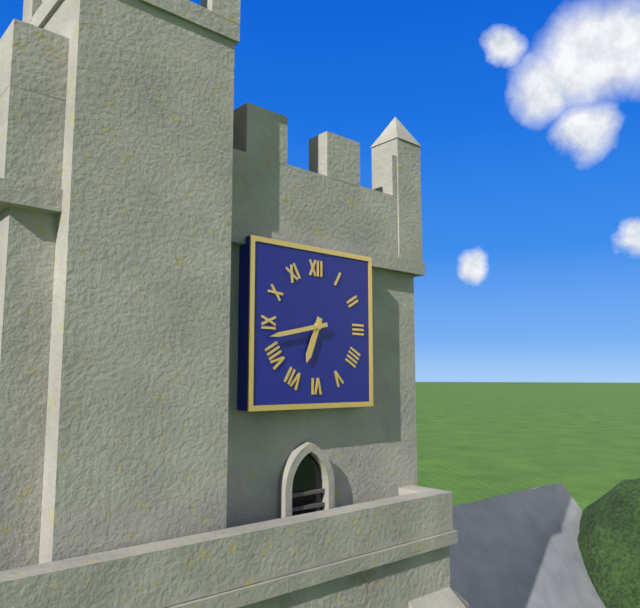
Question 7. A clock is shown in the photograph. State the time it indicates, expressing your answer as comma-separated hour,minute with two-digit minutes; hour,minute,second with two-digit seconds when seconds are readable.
6,43
